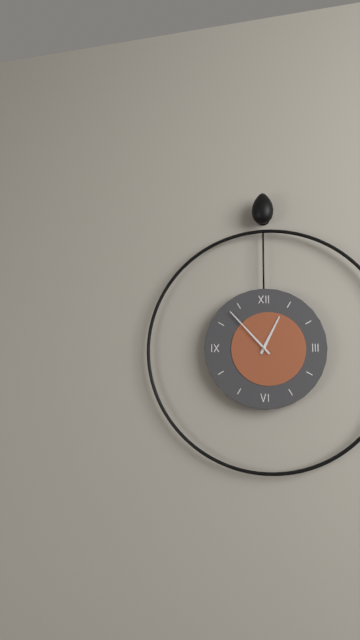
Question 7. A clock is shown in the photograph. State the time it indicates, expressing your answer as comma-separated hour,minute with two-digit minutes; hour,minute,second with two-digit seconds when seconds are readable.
12,53
